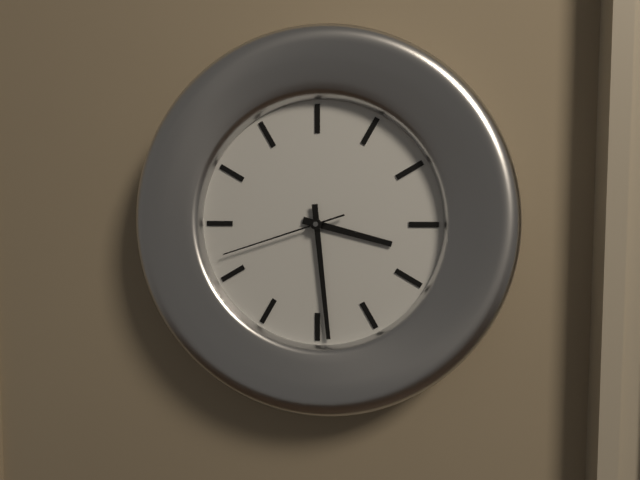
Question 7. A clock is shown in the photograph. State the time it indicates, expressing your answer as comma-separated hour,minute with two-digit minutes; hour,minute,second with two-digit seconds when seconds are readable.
3,29,42
